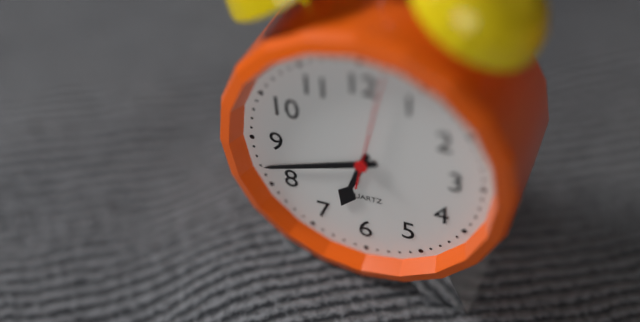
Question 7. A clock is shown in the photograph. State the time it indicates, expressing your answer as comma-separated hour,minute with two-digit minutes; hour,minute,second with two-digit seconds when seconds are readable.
6,42,02
